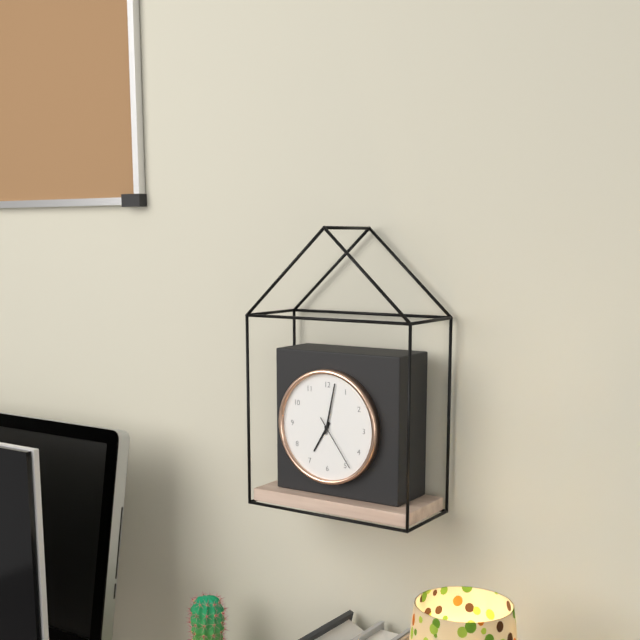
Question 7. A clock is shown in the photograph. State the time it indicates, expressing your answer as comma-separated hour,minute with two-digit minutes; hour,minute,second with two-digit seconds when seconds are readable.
7,02,24
